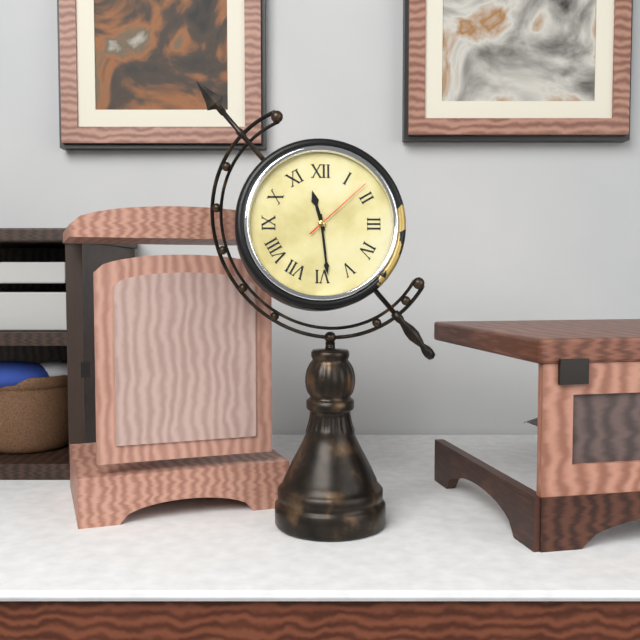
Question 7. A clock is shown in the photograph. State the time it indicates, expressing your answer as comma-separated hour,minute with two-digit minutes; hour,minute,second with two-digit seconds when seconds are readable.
11,29,08
